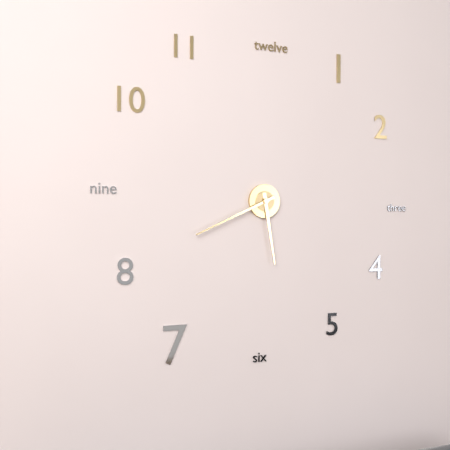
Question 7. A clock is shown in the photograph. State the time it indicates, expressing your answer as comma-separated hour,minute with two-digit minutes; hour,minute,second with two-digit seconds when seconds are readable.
5,41
